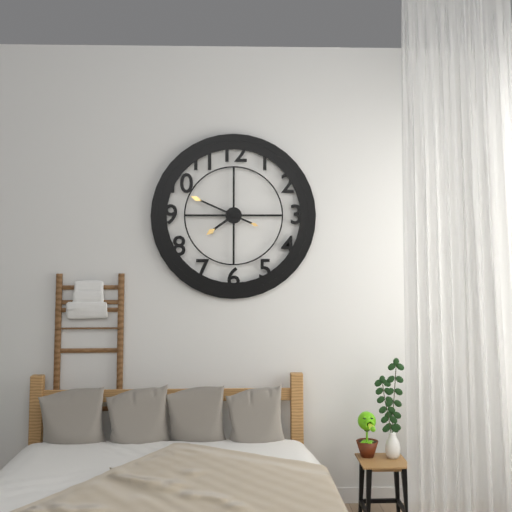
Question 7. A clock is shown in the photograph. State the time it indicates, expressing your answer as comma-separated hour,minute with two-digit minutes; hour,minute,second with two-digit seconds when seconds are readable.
7,49
